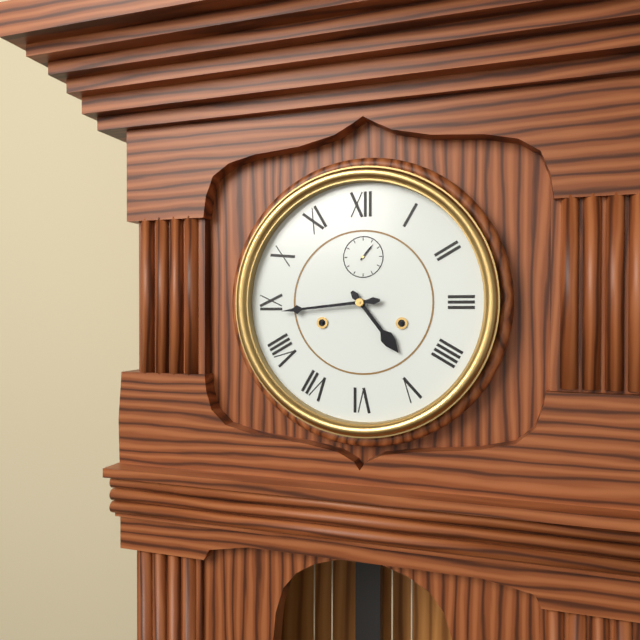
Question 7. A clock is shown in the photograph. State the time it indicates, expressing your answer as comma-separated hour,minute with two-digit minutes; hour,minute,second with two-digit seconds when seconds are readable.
4,44
